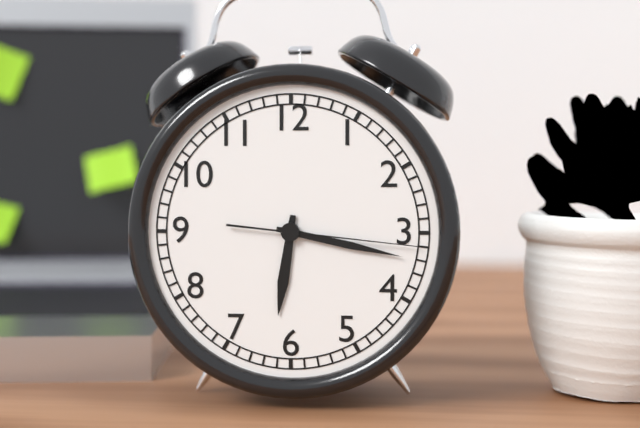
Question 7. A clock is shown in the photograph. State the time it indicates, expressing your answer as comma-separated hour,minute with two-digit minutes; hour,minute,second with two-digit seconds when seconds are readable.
6,17,16
